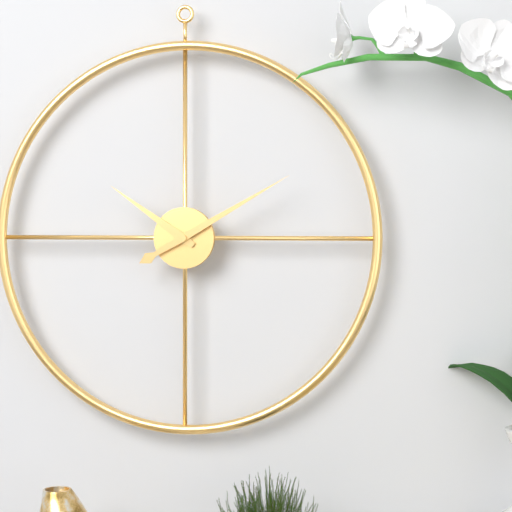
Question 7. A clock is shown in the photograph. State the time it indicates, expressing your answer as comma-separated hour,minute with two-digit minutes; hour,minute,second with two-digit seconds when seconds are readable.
10,10
